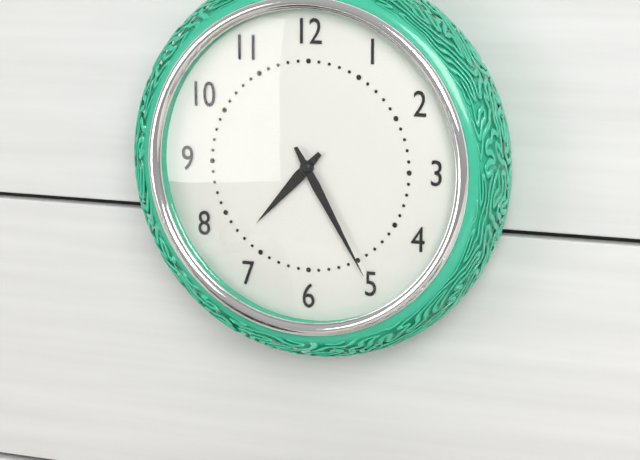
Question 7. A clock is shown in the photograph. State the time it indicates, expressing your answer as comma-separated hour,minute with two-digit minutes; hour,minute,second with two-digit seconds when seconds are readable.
7,25
